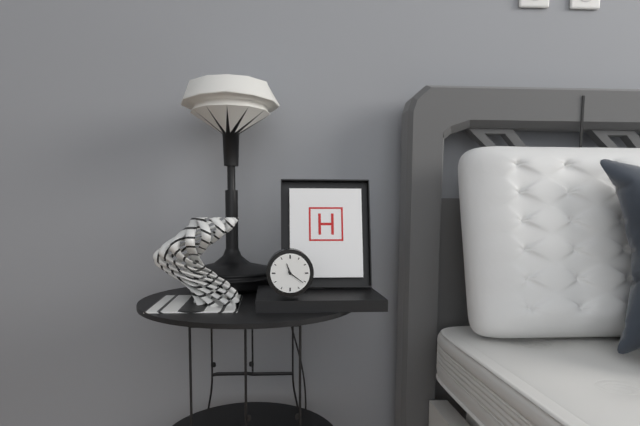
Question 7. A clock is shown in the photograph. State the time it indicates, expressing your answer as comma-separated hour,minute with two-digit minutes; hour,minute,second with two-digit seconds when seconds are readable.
11,21
